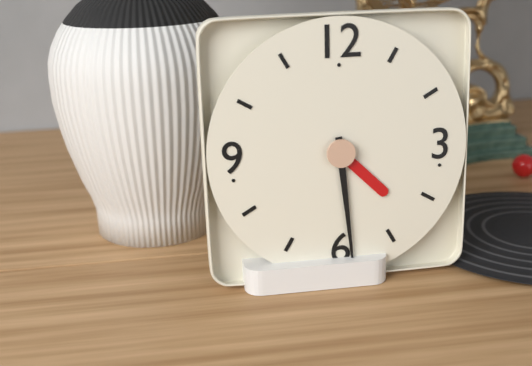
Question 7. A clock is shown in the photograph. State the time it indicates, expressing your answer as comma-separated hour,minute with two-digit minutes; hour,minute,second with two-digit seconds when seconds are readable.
4,29
